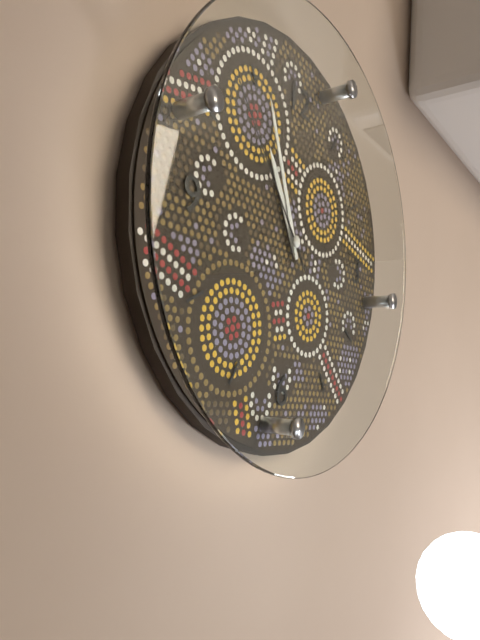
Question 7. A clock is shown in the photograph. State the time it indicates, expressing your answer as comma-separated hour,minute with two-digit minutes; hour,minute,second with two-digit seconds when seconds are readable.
10,56,53
